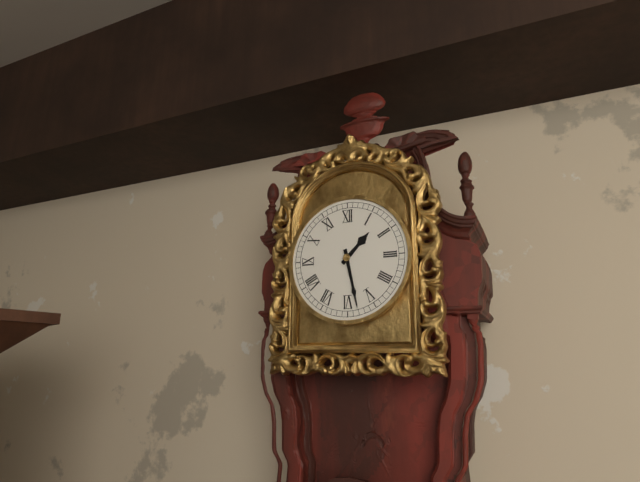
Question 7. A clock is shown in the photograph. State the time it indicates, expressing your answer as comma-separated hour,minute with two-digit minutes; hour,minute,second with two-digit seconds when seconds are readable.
1,28
